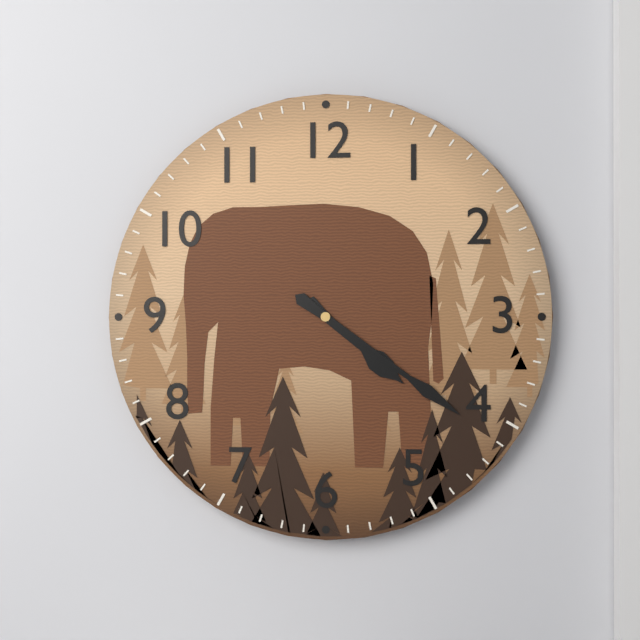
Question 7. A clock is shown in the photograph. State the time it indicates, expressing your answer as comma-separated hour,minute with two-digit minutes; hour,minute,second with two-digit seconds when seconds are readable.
4,21
